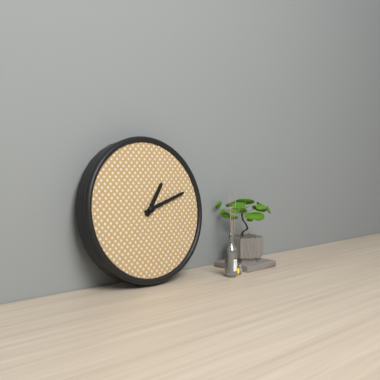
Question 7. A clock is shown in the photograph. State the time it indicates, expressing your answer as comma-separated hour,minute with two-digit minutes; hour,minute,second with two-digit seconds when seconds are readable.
1,12
